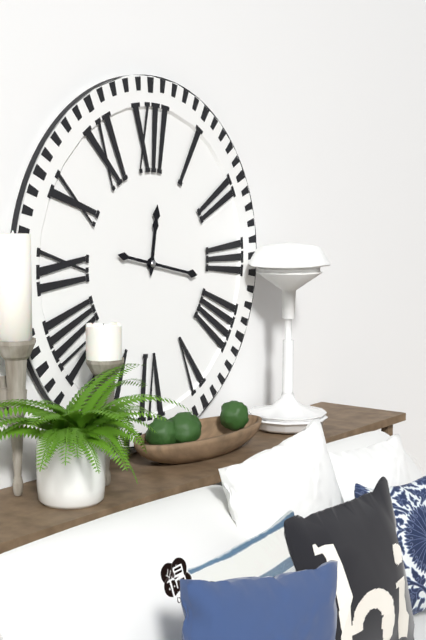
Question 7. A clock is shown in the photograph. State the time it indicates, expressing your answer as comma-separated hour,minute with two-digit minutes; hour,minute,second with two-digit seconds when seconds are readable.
12,17
